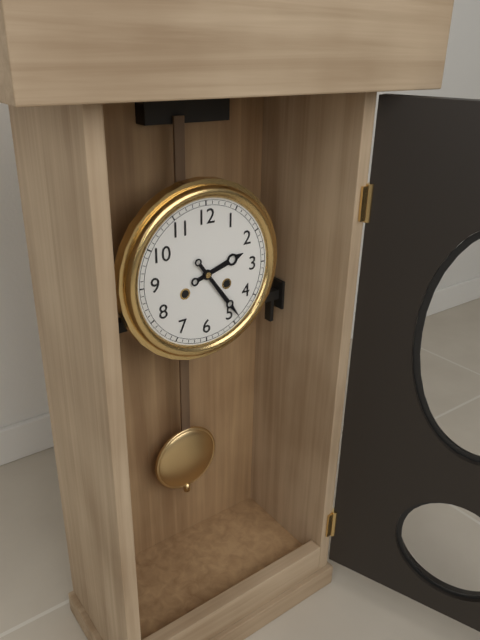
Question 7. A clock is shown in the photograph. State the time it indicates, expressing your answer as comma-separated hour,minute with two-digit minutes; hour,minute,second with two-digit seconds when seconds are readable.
2,24
